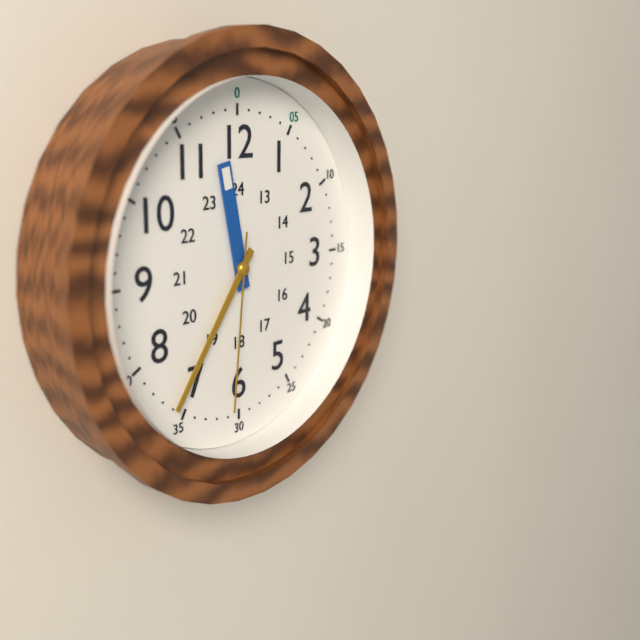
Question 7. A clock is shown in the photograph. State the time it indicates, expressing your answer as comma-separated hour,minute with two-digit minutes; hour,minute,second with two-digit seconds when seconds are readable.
11,36,31
